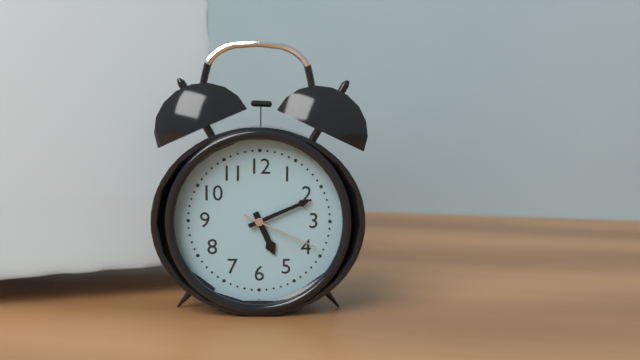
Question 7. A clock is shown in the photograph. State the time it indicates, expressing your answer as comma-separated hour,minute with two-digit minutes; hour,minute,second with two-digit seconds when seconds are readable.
5,11,19
